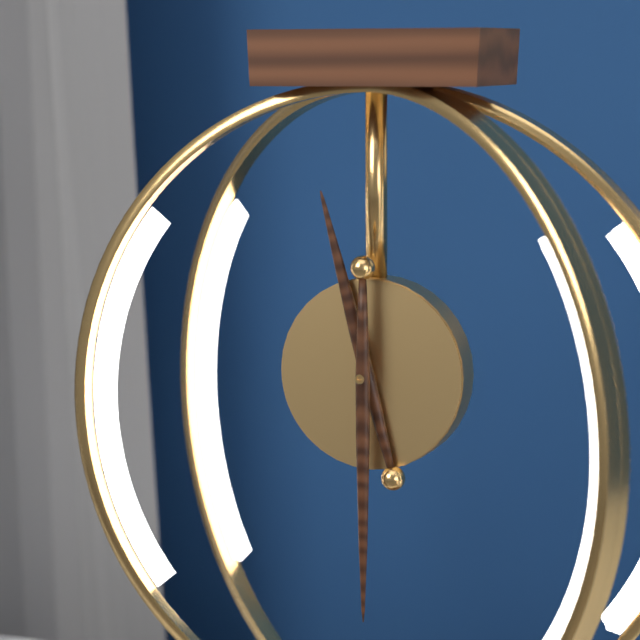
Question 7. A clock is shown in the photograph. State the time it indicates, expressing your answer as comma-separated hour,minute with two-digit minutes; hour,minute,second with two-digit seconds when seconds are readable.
11,30
